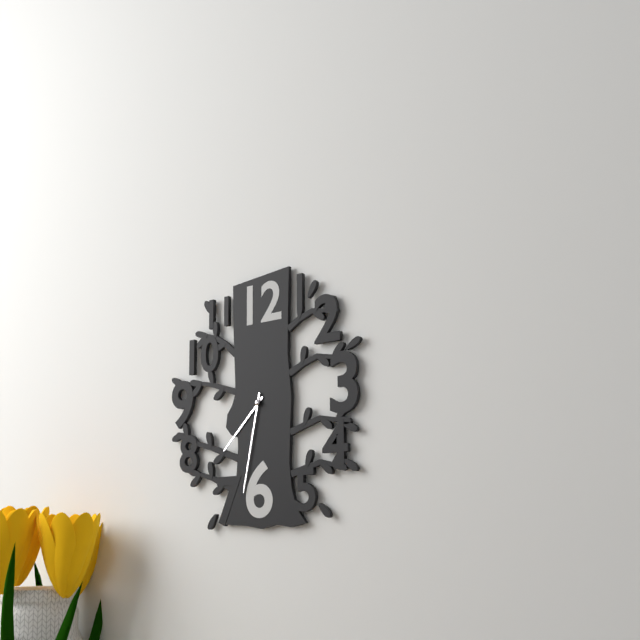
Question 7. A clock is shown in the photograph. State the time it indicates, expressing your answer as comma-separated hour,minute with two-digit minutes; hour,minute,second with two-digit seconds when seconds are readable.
7,32
